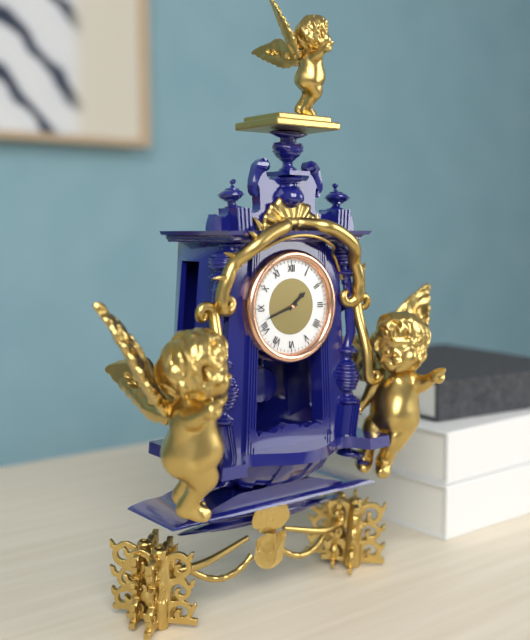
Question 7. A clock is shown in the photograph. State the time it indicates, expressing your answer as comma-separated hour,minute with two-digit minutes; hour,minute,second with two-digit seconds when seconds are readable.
1,42
